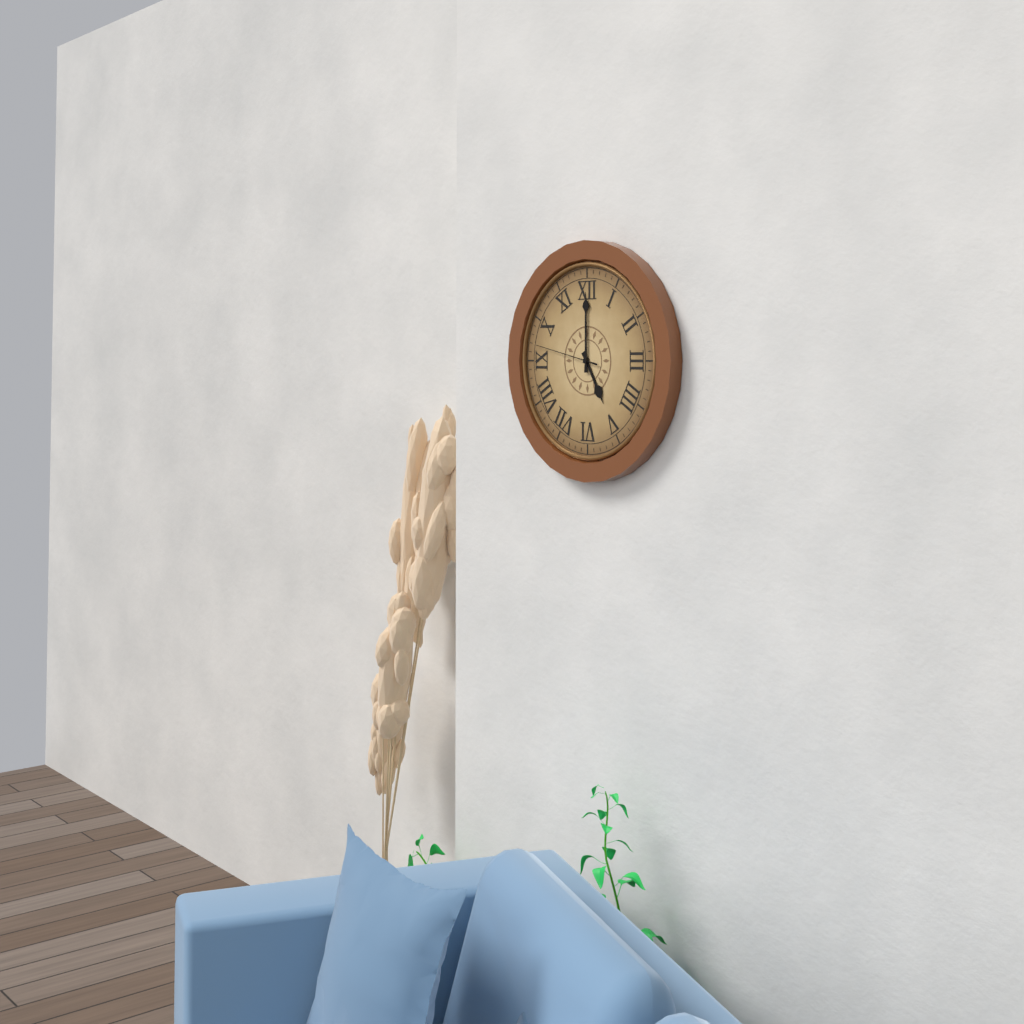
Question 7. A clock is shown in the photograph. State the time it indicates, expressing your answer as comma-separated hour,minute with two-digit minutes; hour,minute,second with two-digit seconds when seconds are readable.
5,00,47
